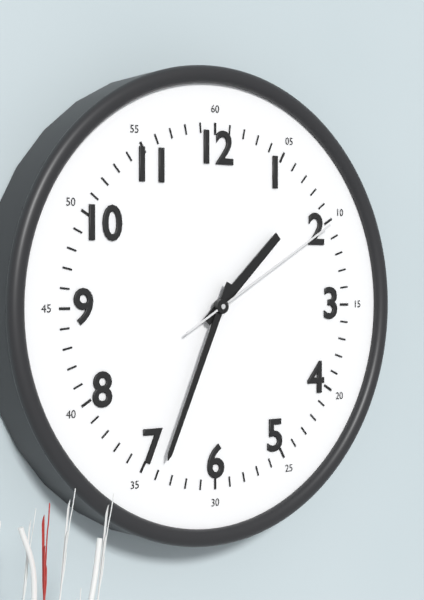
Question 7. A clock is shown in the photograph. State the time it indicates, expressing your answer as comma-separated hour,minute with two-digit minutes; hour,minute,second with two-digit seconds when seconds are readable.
1,34,10
